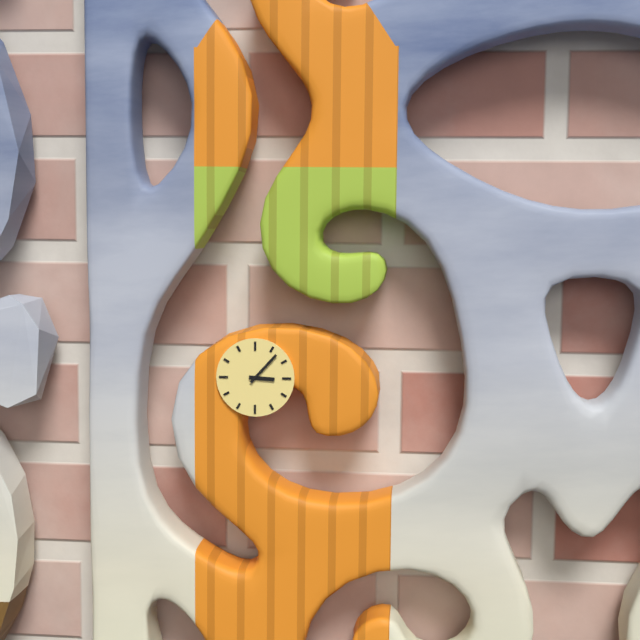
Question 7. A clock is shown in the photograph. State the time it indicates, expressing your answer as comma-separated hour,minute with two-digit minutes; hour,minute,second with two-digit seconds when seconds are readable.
3,07
